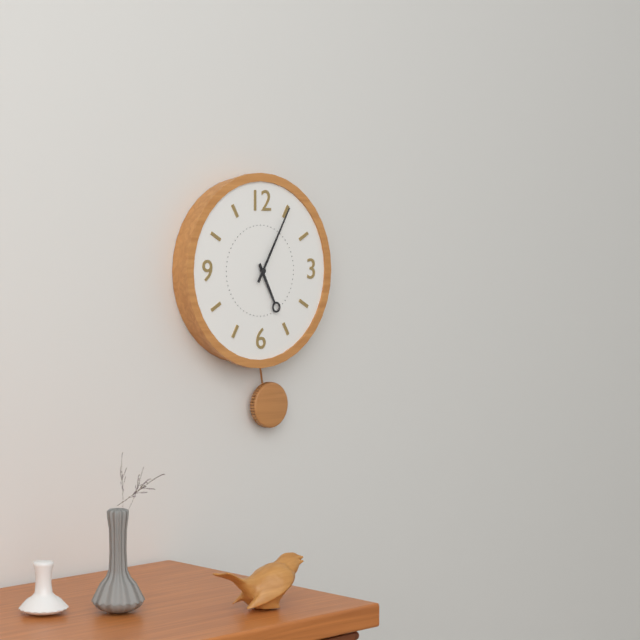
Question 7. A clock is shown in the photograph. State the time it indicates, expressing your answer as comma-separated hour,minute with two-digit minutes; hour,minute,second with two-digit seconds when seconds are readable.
5,05
